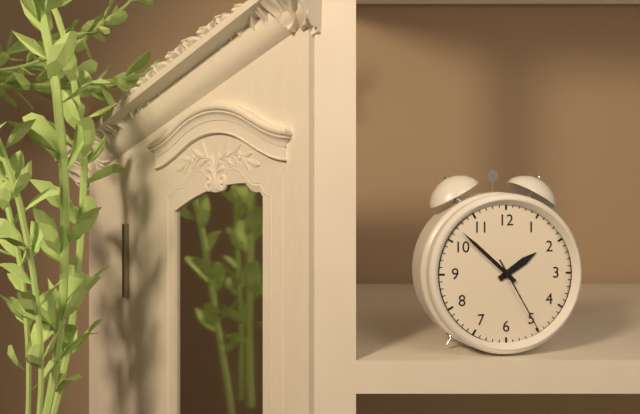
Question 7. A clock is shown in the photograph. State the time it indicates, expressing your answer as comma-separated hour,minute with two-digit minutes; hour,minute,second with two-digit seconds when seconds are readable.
1,52,25
